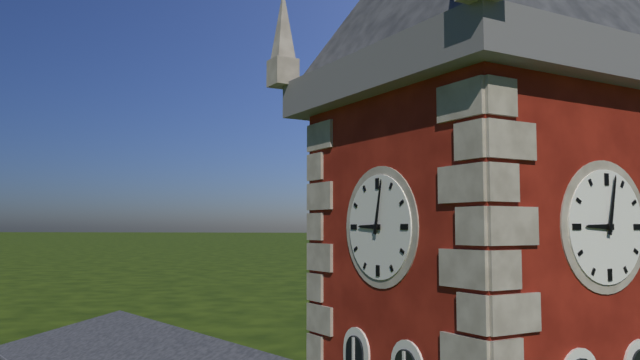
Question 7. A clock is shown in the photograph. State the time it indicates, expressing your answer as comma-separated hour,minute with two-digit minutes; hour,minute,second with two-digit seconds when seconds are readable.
9,02
